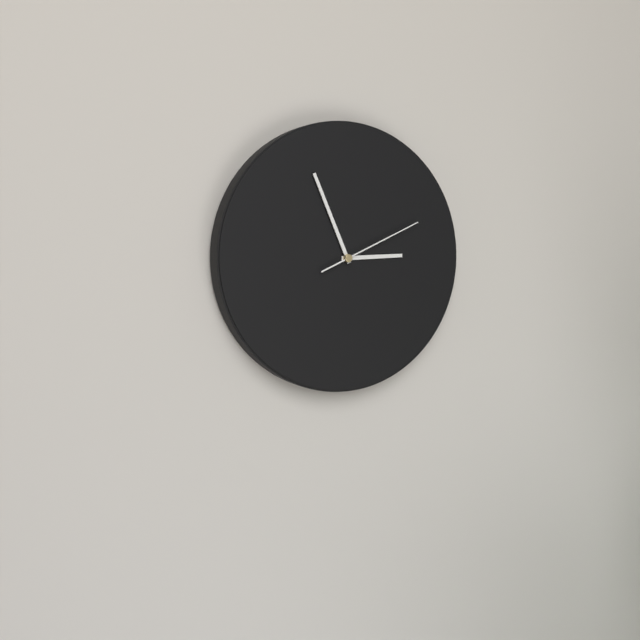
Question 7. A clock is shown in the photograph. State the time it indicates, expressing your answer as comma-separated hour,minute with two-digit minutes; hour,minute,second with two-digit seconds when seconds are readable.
2,56,11
